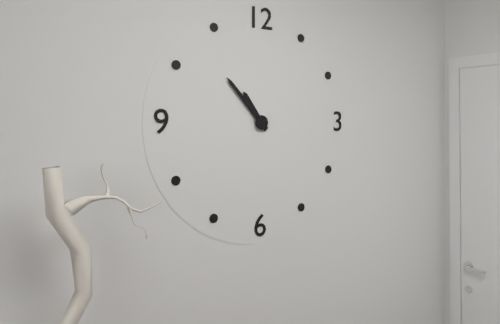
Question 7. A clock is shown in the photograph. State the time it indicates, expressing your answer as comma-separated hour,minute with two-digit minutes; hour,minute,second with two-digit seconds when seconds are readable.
10,53
